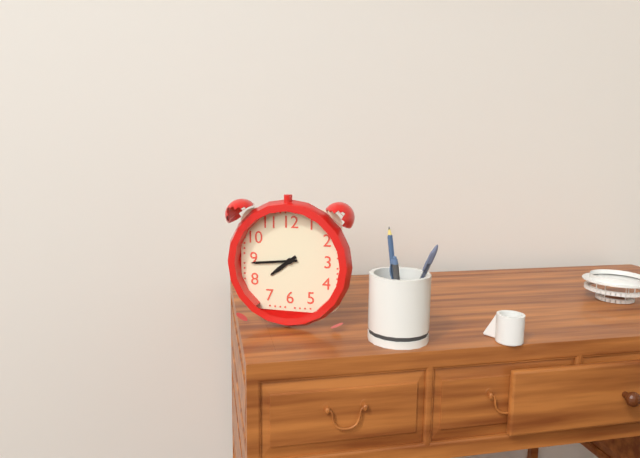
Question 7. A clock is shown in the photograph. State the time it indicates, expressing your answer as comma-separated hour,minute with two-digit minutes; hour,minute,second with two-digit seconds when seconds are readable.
7,44
